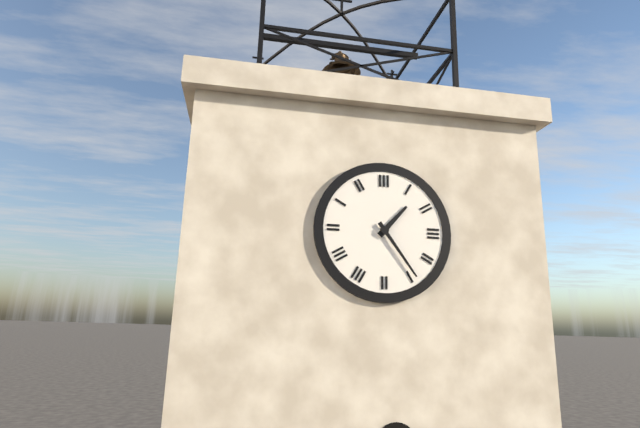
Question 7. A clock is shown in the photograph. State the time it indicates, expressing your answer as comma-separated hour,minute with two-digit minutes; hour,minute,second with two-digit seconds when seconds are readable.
1,24
